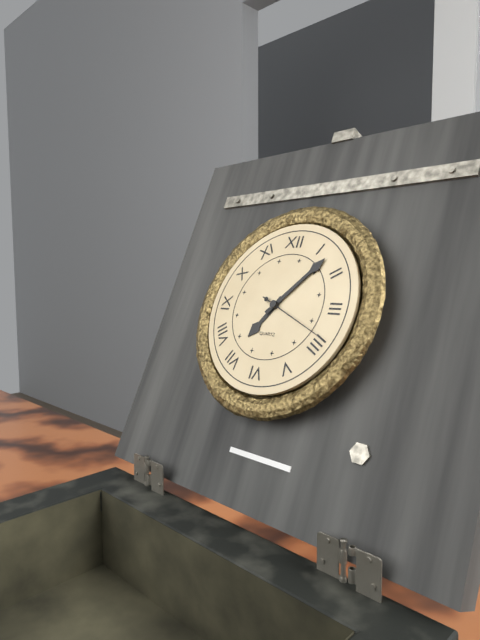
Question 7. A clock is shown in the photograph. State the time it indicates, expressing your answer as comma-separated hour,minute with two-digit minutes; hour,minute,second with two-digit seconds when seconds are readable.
7,07,19
